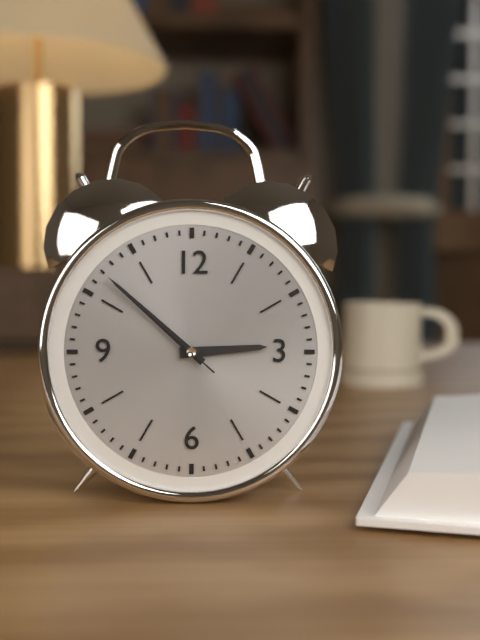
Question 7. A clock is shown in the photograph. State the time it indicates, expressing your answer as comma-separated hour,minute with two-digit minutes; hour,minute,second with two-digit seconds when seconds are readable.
2,52,52
